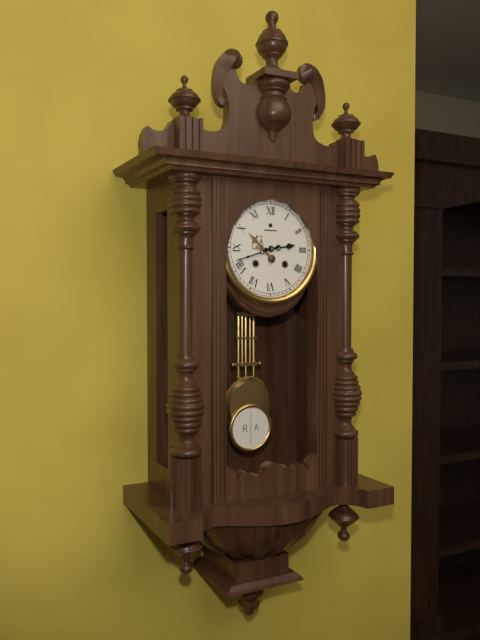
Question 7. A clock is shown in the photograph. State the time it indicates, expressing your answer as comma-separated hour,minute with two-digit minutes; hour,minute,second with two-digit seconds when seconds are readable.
2,42
